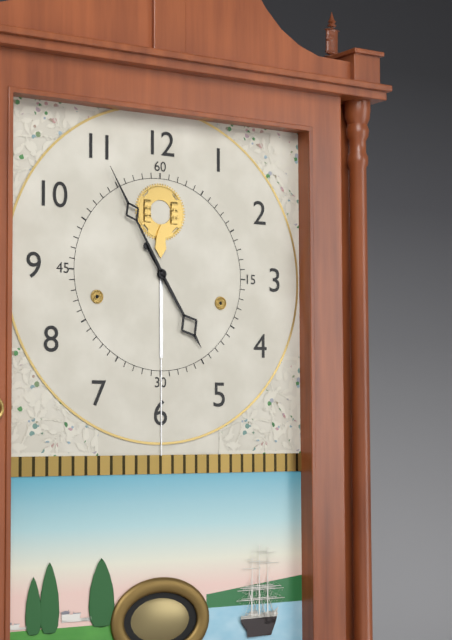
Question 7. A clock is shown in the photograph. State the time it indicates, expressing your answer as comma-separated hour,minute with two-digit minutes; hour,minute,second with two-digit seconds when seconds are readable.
4,55
